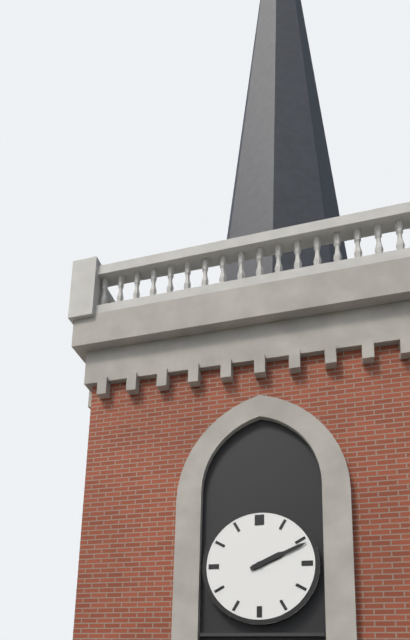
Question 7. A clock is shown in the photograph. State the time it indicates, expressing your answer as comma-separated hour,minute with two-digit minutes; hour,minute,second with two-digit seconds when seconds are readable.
2,11
